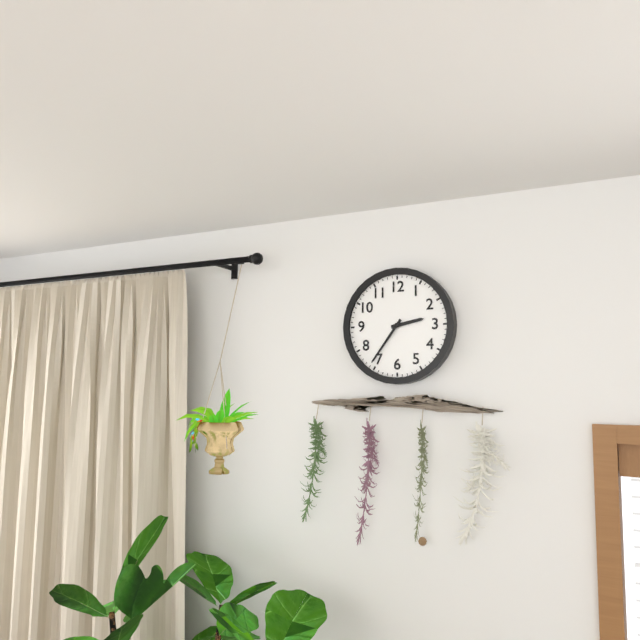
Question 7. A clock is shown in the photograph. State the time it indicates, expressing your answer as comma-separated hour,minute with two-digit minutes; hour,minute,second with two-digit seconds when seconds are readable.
2,36
